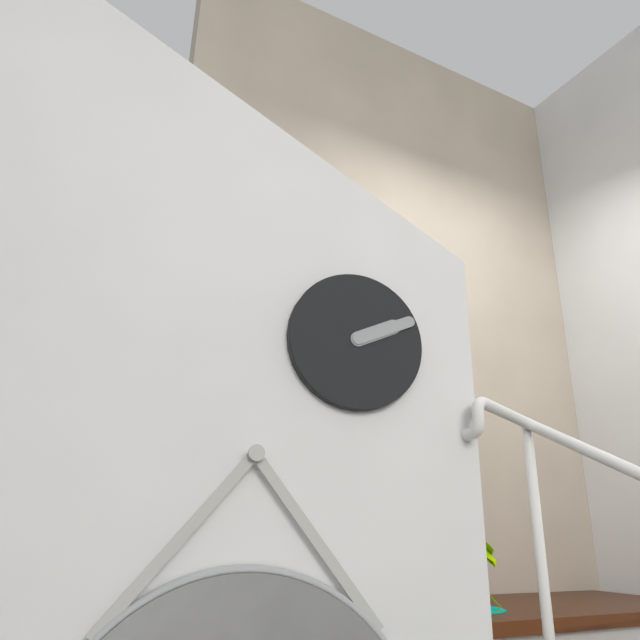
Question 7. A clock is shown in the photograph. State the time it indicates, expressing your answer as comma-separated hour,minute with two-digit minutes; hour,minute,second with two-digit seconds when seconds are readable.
2,11
